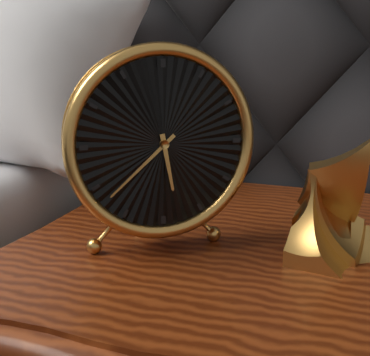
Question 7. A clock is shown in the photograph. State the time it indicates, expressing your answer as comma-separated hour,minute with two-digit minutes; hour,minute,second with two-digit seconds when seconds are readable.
5,38
